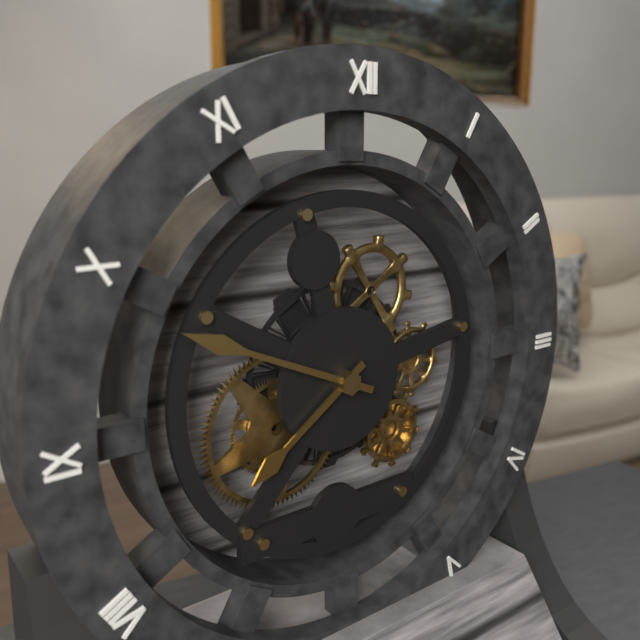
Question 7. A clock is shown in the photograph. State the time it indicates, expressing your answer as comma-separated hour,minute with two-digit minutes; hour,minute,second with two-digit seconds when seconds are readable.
7,49
